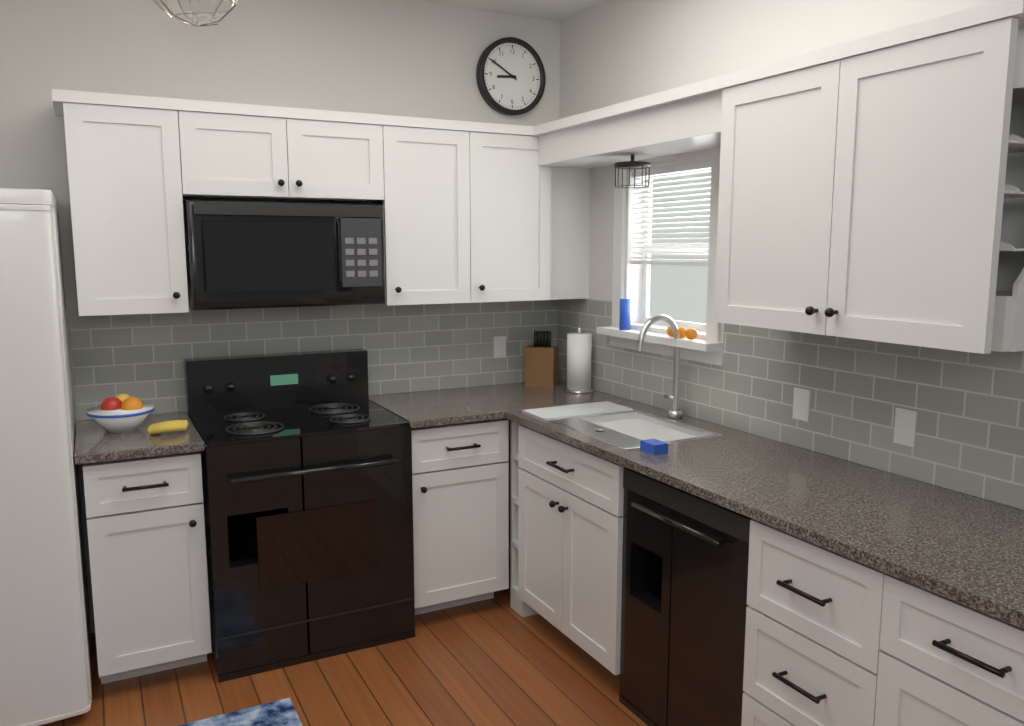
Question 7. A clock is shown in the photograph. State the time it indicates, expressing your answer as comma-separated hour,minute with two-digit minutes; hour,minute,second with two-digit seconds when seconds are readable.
8,50
